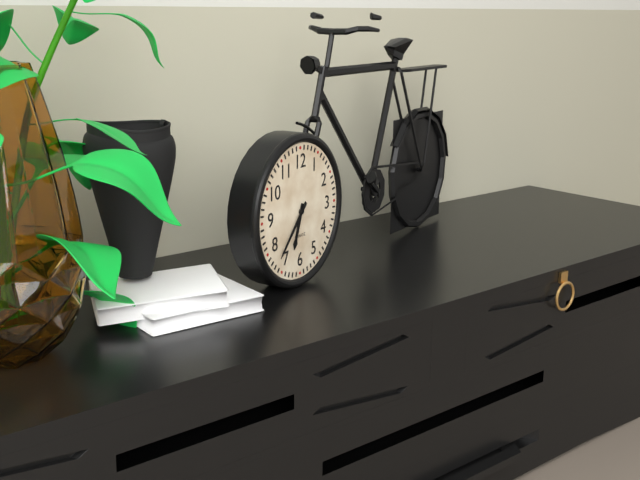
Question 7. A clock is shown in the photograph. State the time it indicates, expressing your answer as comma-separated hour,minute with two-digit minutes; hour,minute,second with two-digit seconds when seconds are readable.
6,37
